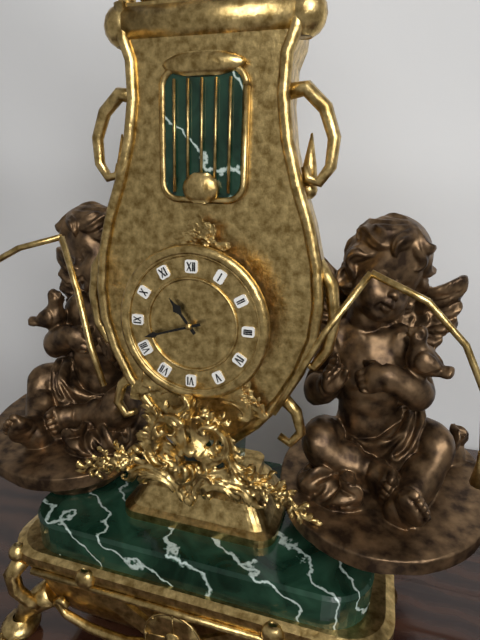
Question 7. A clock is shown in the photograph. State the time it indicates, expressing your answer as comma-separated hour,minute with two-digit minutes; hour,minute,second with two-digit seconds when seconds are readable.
10,42
